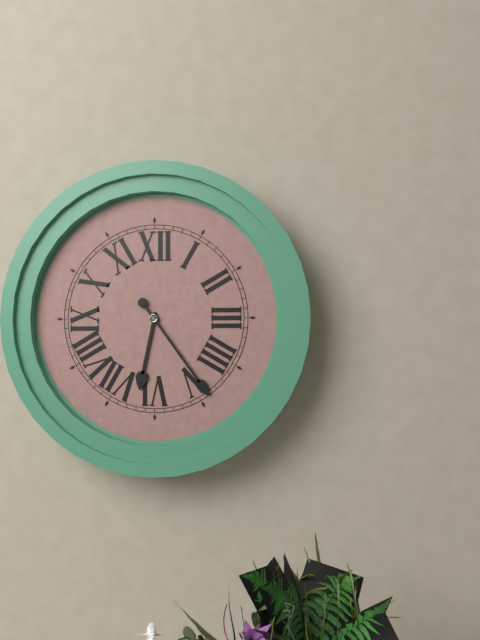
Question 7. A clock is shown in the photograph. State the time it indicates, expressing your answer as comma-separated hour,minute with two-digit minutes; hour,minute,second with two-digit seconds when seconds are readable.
6,24
